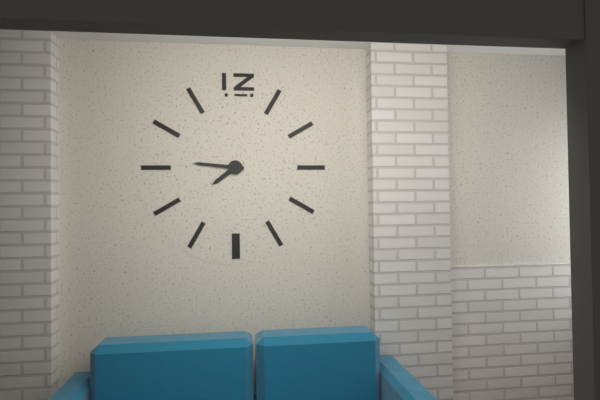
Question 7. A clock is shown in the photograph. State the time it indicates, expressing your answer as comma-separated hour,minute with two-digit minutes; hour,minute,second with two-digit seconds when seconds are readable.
7,46
